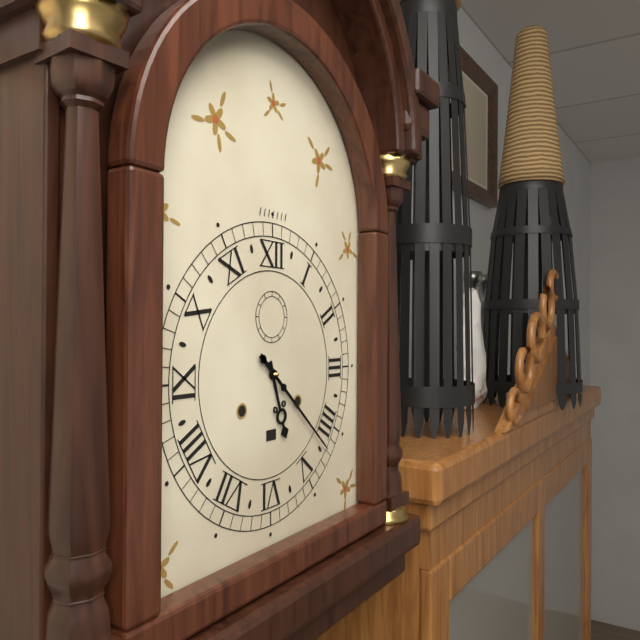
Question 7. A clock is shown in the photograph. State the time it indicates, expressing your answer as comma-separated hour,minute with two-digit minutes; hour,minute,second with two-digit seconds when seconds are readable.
5,22
